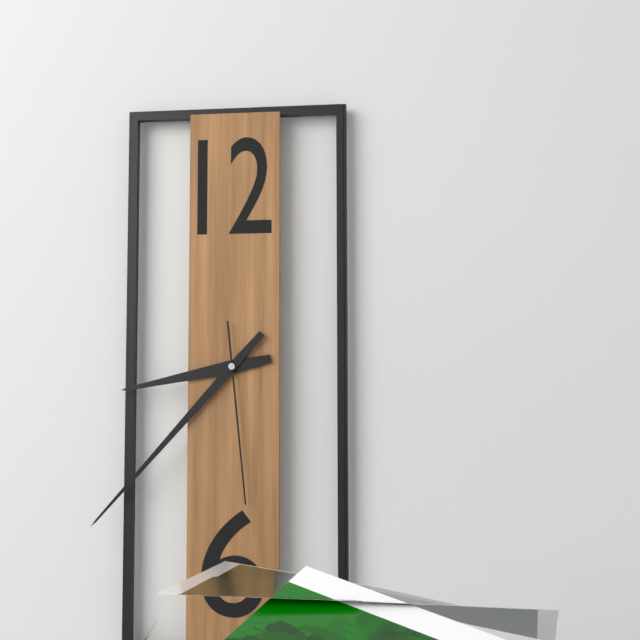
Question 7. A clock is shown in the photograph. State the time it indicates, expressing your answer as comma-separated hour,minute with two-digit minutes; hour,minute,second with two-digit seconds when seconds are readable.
8,37,29
